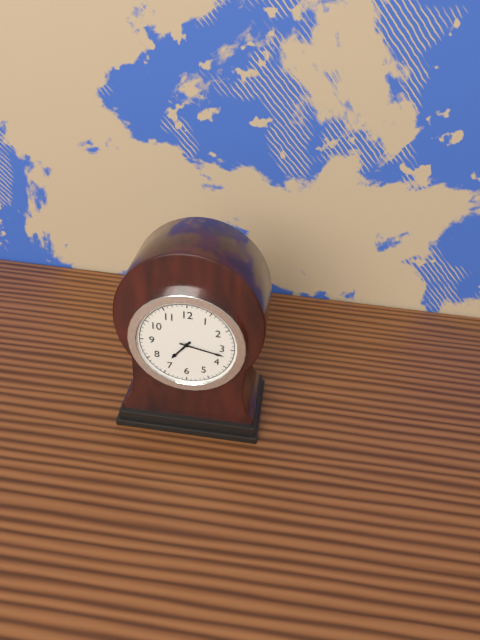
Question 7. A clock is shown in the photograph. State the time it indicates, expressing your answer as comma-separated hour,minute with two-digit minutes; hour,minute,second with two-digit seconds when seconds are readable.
7,17
